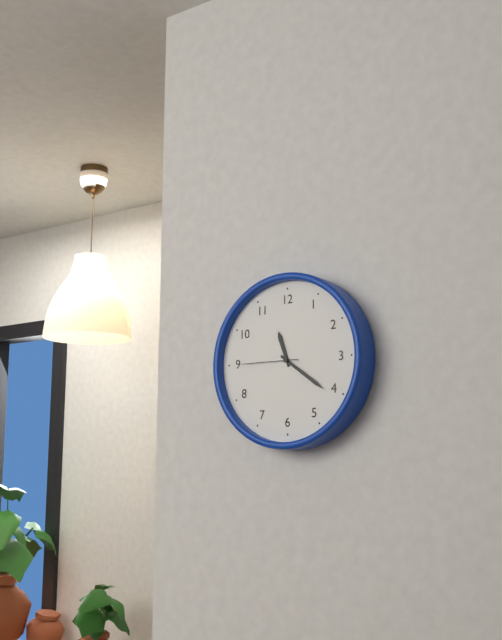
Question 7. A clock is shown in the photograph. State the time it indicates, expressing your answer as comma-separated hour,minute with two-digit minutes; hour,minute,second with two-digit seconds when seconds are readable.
11,21,45
